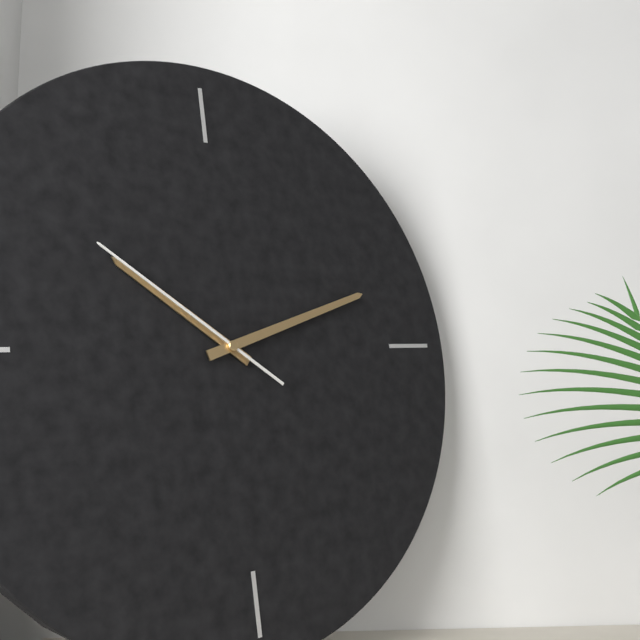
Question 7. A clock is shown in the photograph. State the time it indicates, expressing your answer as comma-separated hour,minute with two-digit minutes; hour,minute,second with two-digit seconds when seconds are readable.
10,12,51
